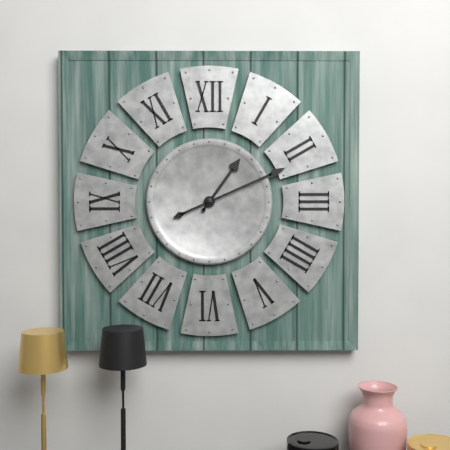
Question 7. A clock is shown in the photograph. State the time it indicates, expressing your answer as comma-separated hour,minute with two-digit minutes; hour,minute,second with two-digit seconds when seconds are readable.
1,11
